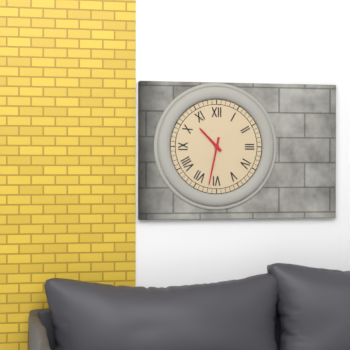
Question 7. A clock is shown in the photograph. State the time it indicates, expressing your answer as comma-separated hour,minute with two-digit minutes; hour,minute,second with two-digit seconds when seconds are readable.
10,32
